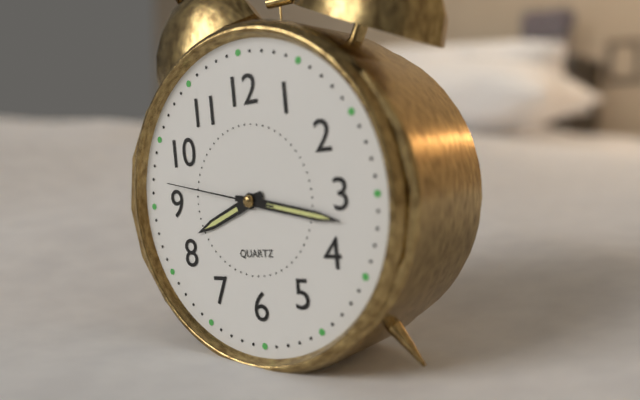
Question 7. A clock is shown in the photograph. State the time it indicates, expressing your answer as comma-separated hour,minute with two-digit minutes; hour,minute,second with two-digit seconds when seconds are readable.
8,17,47
